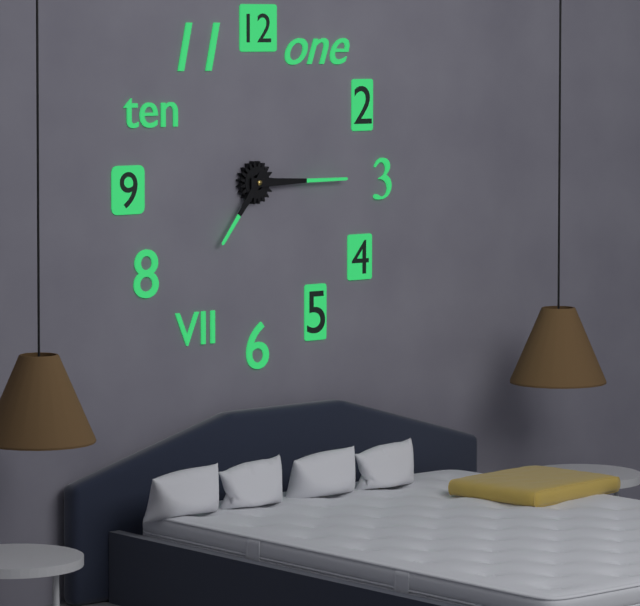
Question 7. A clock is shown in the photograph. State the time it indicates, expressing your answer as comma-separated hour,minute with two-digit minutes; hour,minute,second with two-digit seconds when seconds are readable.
7,15
